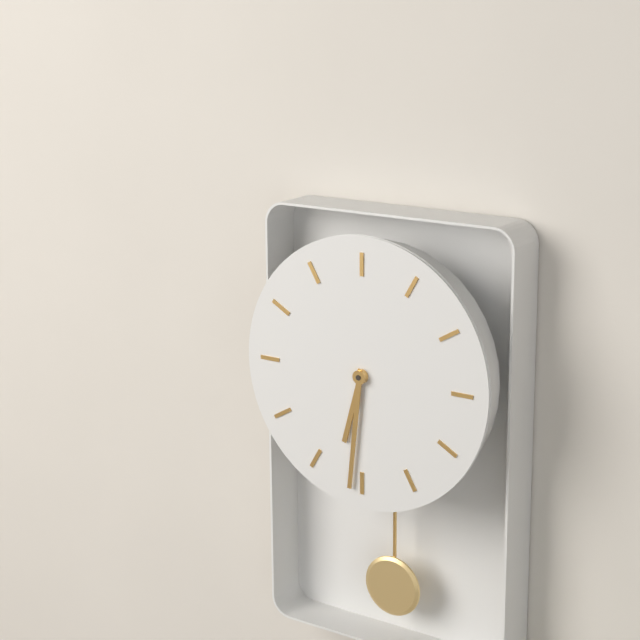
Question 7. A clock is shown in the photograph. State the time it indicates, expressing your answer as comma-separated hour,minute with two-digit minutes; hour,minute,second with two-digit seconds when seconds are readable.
6,31
